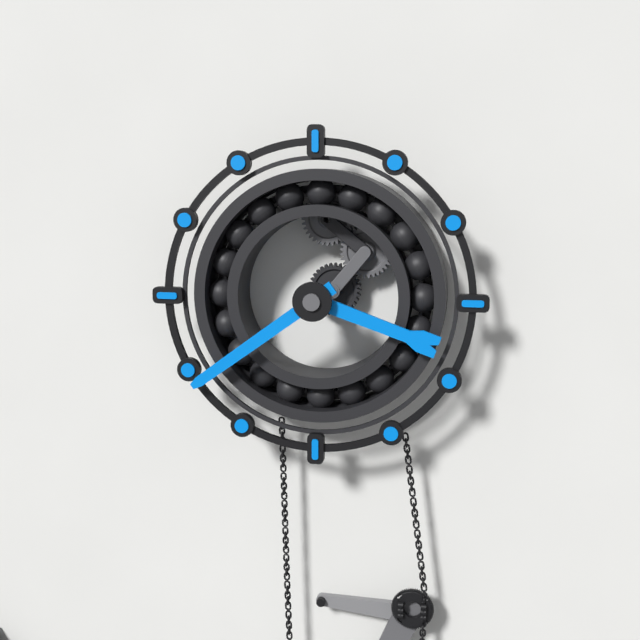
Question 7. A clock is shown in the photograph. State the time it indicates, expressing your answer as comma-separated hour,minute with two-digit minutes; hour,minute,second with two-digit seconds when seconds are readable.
3,39
